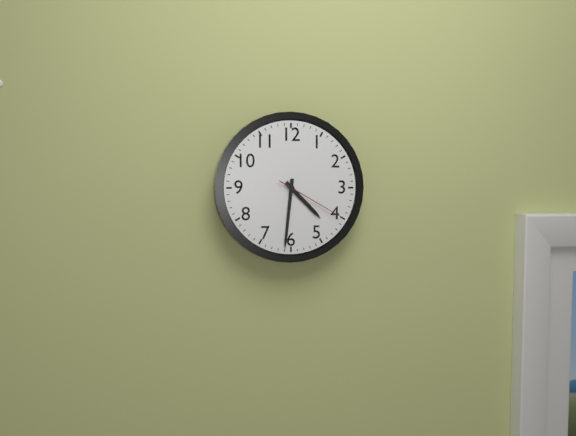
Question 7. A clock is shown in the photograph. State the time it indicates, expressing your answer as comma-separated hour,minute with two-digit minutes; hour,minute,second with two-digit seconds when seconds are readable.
4,31,20
